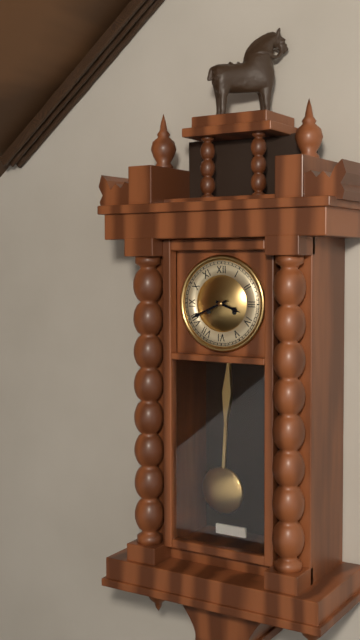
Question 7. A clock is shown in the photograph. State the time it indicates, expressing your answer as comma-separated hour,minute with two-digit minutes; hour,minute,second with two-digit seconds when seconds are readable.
3,41
